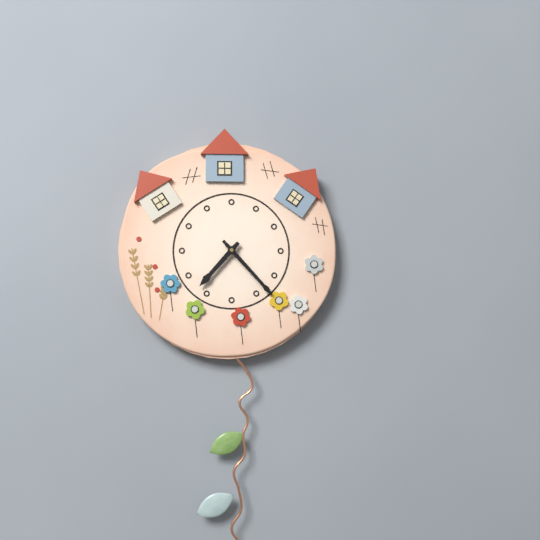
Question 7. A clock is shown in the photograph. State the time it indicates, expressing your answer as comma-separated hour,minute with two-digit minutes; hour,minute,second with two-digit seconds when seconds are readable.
7,23
